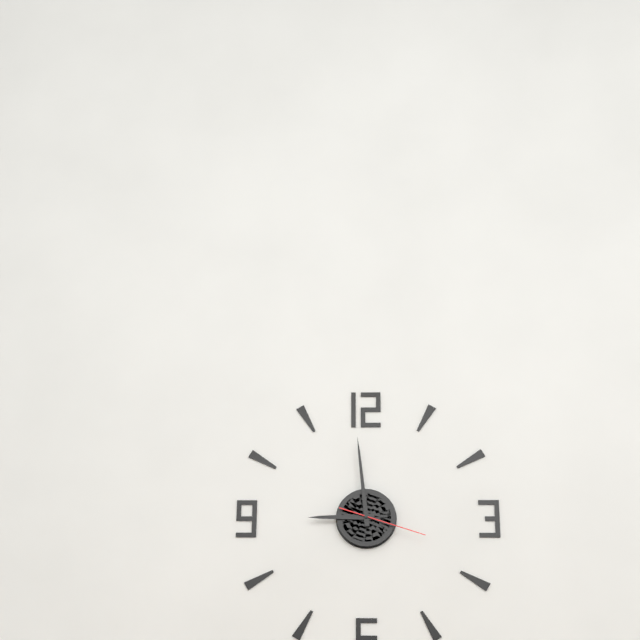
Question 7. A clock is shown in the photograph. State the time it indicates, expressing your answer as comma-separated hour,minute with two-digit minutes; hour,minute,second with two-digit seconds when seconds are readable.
8,59,18
